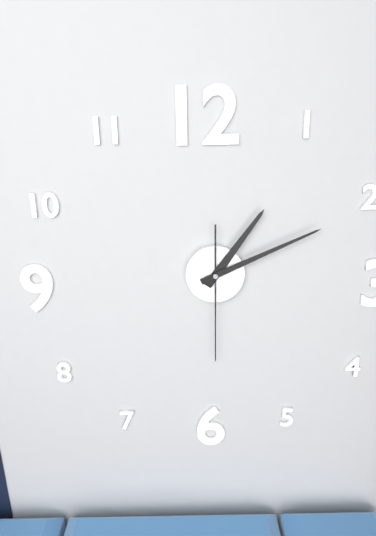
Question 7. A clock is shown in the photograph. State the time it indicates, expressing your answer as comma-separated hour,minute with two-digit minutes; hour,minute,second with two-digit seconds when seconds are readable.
1,11,30
